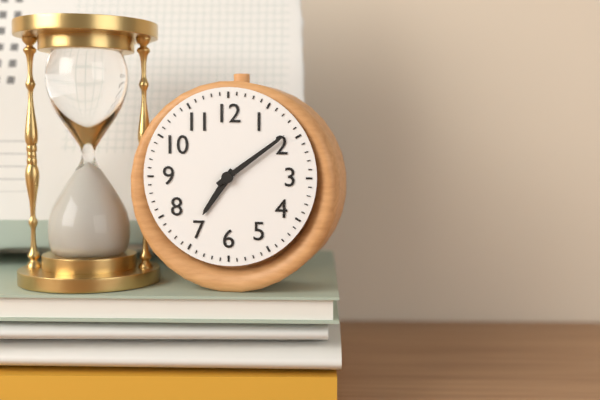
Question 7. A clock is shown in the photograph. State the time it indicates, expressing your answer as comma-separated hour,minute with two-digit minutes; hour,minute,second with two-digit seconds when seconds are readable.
7,09
